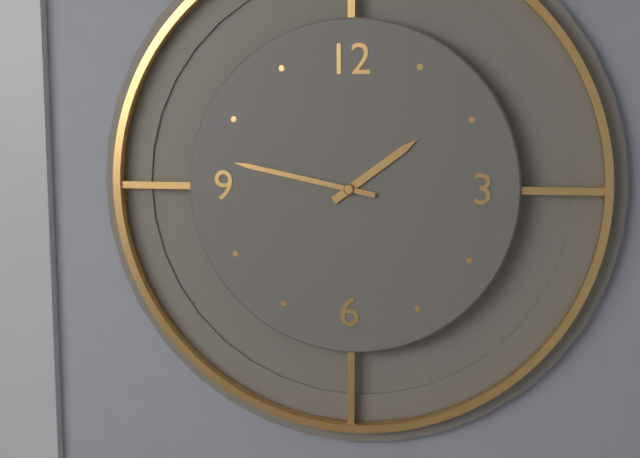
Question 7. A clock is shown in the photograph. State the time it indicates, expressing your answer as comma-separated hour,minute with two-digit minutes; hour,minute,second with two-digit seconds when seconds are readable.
1,47
